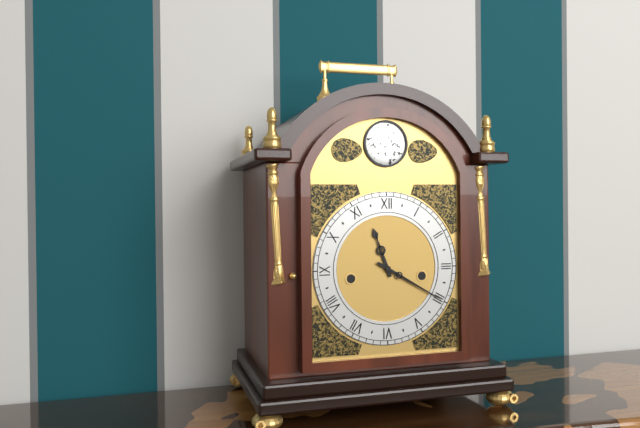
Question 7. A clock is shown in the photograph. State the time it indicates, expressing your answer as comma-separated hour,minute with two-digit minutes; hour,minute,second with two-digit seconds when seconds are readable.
11,20
